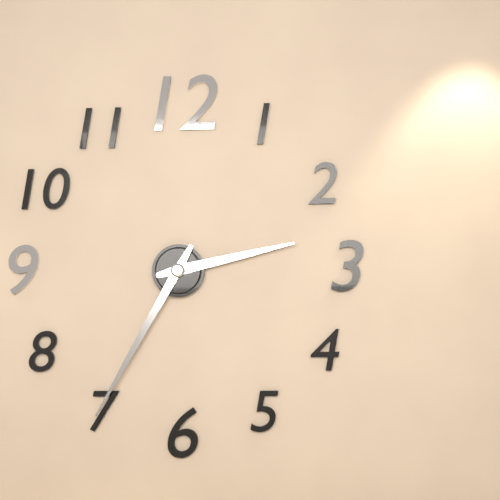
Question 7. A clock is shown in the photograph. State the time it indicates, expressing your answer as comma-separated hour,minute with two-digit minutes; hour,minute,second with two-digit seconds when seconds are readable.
2,35
